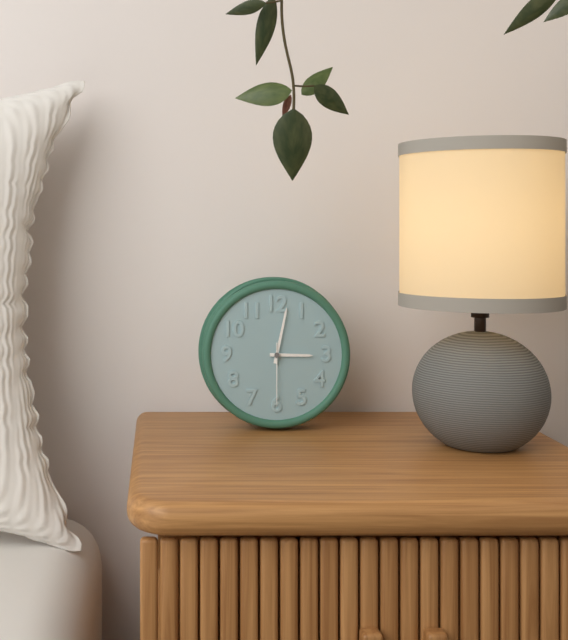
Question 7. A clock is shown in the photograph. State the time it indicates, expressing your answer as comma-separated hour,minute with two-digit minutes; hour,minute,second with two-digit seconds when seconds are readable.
3,02,30
